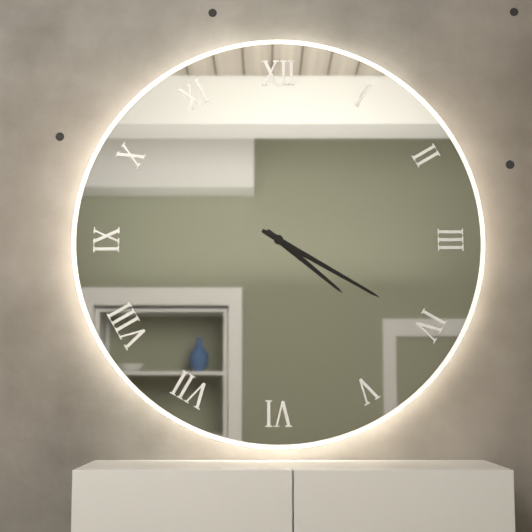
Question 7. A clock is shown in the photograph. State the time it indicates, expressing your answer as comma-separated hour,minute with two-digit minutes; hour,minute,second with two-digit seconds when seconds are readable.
4,20
